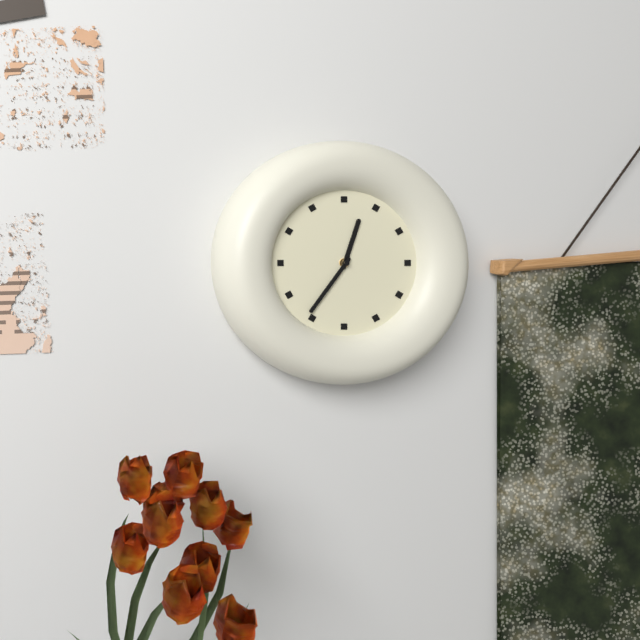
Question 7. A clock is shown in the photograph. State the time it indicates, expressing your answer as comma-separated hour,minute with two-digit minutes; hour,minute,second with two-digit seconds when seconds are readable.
12,36
